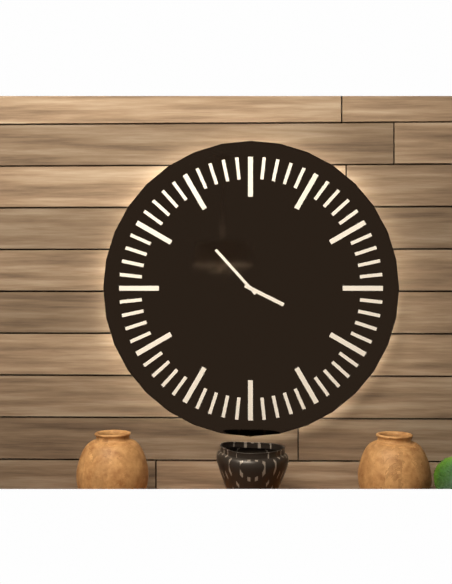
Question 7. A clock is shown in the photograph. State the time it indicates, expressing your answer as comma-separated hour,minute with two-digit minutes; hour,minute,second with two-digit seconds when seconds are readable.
3,53
